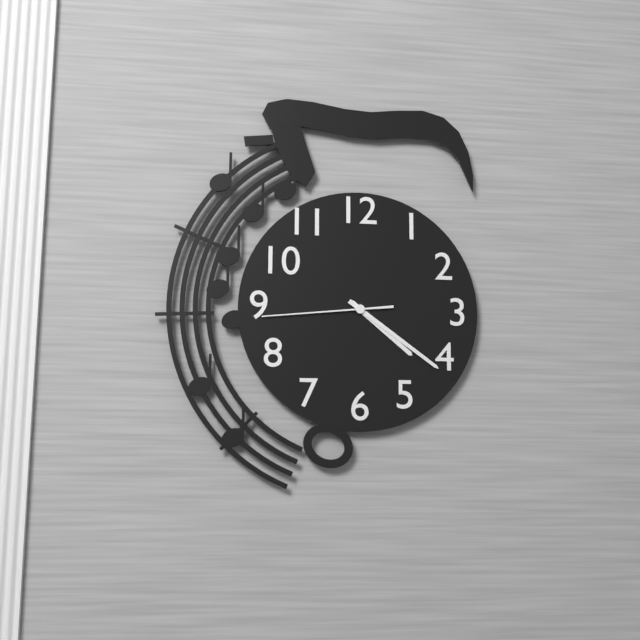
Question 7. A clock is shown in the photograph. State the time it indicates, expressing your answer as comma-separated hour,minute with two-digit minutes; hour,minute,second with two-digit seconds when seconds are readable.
4,21,44
